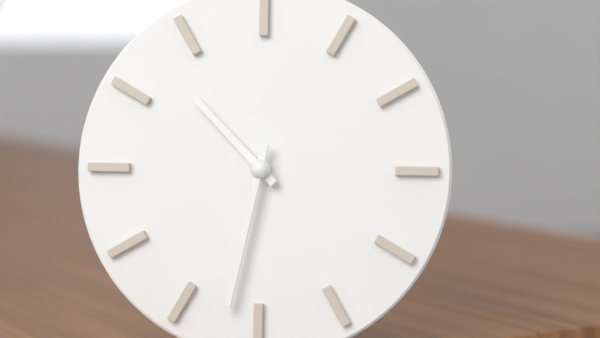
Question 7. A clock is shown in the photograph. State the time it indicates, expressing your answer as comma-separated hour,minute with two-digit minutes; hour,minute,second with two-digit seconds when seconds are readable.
10,32
